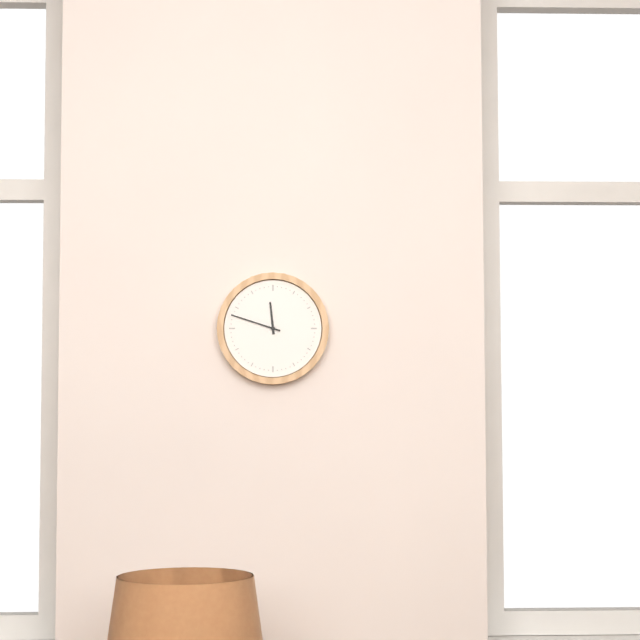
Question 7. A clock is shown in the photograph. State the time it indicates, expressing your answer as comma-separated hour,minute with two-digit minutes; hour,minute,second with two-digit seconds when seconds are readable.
11,48
